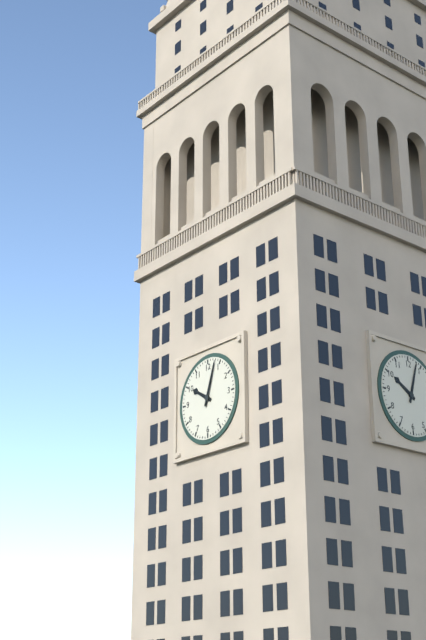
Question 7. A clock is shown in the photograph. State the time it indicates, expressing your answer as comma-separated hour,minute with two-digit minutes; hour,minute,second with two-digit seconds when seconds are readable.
10,03
